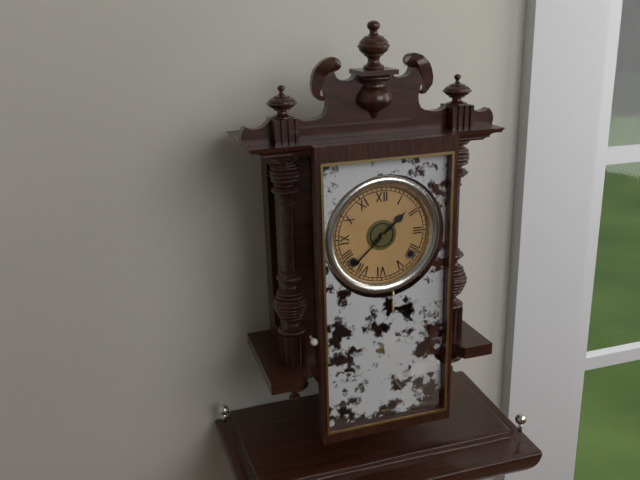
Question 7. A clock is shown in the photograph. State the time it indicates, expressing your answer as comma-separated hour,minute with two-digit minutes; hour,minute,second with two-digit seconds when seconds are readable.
1,38
